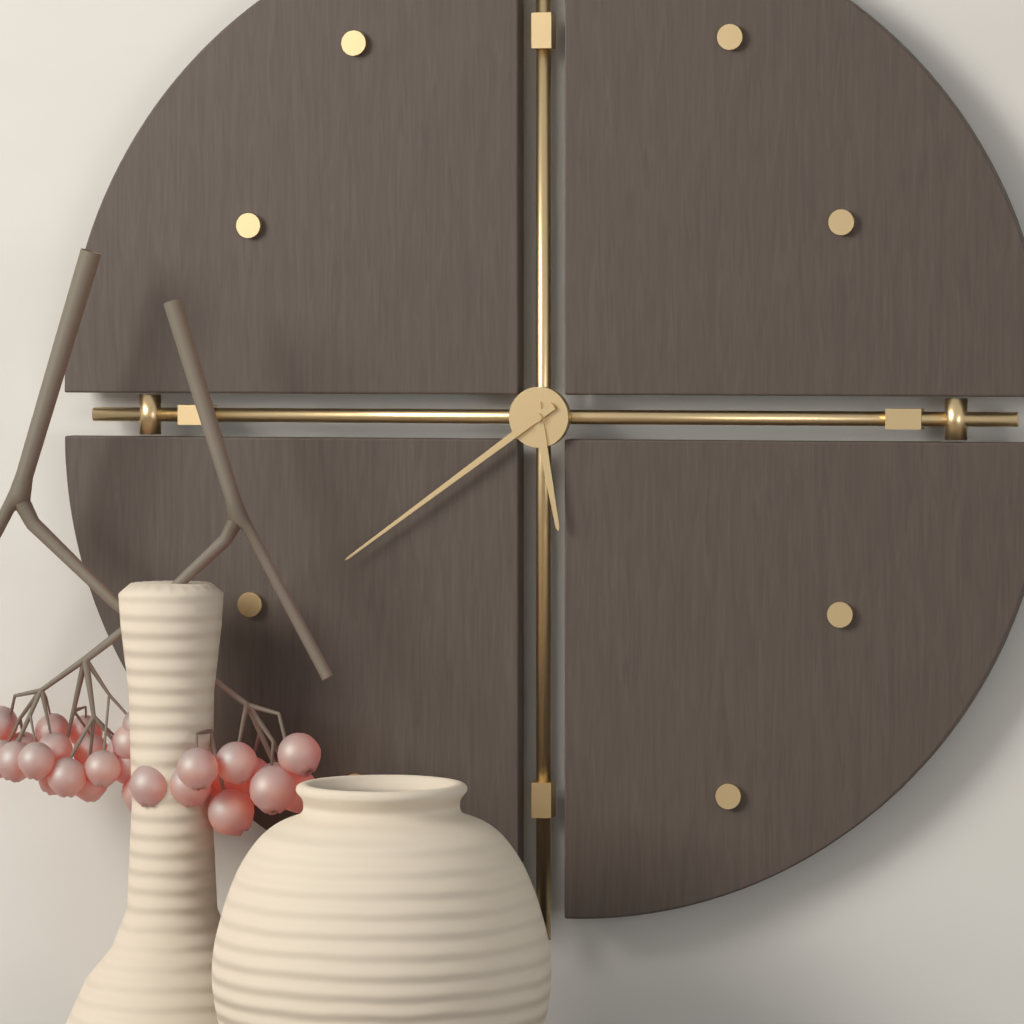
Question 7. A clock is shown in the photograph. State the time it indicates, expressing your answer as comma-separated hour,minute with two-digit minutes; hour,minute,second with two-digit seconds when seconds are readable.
5,39
